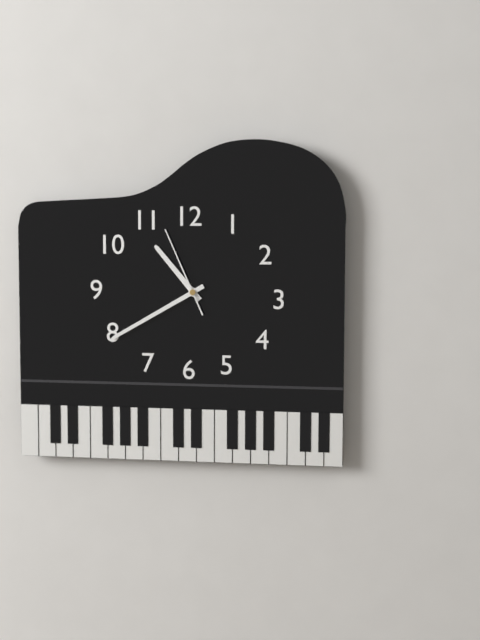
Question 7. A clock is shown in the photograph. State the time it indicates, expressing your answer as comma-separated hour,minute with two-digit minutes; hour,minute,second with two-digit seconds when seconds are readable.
10,40,56
